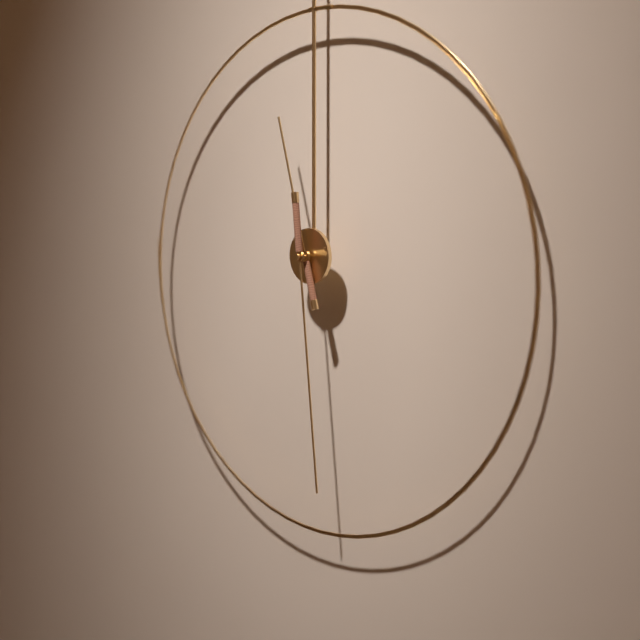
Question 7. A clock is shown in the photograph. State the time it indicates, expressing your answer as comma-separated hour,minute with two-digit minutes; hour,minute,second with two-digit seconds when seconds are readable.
11,29
